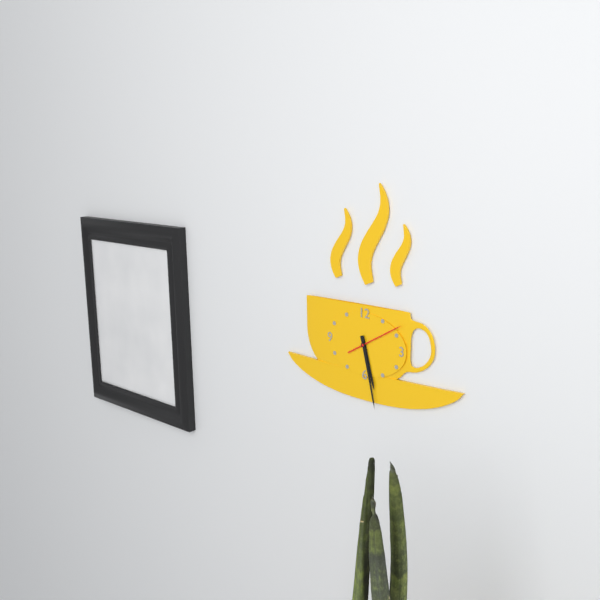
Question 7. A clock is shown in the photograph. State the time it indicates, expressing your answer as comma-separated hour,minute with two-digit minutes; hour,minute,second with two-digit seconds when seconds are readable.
5,28
